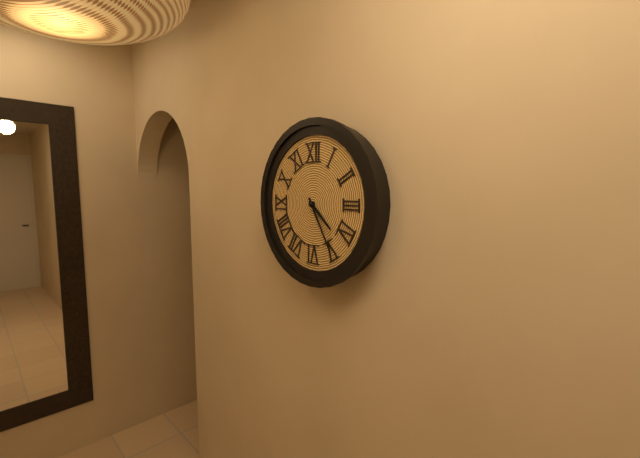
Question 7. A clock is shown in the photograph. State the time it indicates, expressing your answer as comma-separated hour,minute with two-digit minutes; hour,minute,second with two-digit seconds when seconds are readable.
4,25
